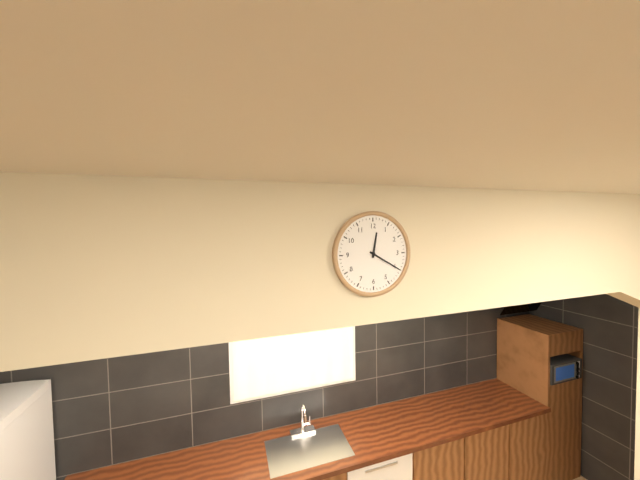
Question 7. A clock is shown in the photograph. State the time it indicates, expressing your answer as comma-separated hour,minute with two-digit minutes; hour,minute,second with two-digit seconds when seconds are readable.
12,20
